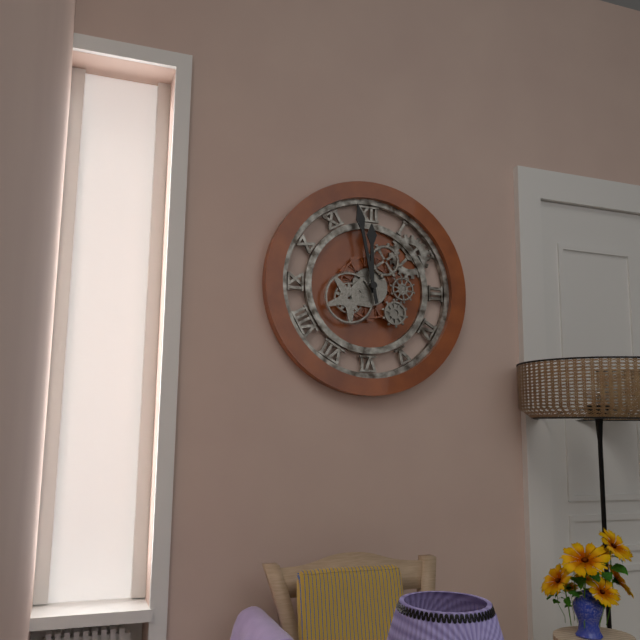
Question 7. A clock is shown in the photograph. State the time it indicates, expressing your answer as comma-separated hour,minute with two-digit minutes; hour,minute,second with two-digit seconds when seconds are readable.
11,58
